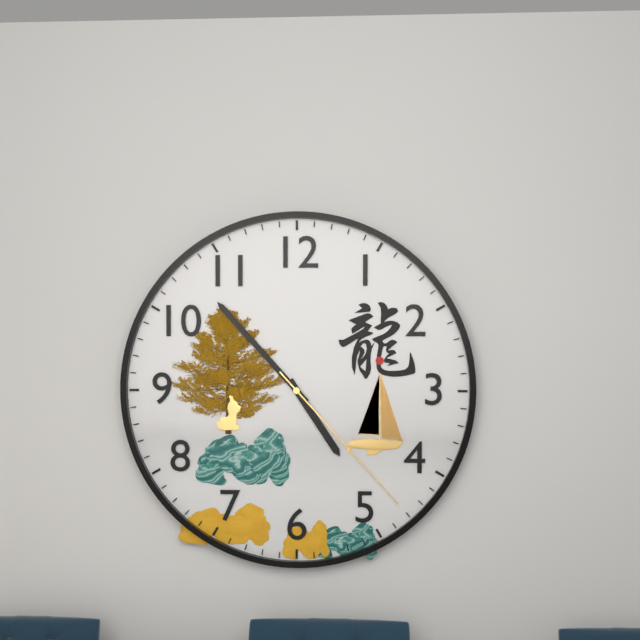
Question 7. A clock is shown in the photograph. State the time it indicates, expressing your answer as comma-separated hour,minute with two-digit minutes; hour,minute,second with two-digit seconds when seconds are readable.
4,53,23
